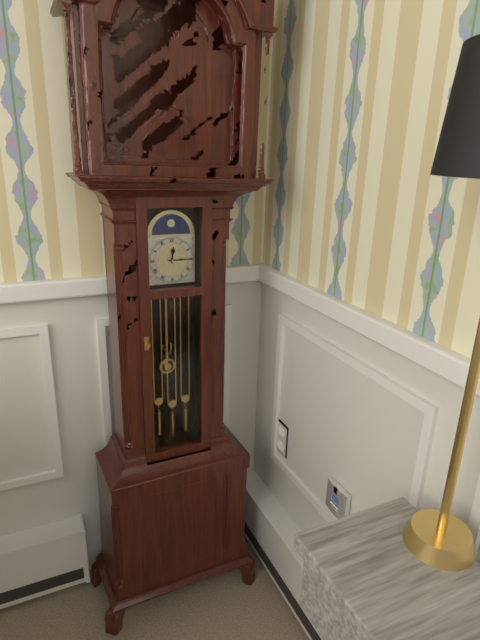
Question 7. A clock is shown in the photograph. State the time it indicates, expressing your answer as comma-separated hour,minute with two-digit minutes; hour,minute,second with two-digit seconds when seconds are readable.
12,15
